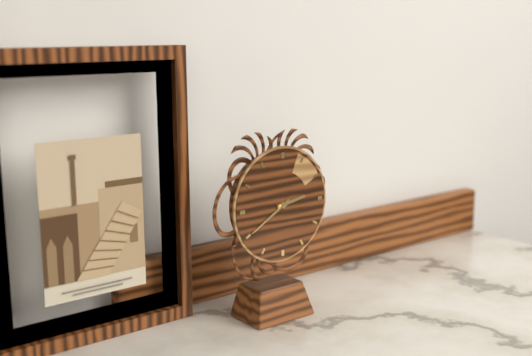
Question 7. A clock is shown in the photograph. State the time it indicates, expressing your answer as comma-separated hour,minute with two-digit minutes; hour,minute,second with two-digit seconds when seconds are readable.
2,40
